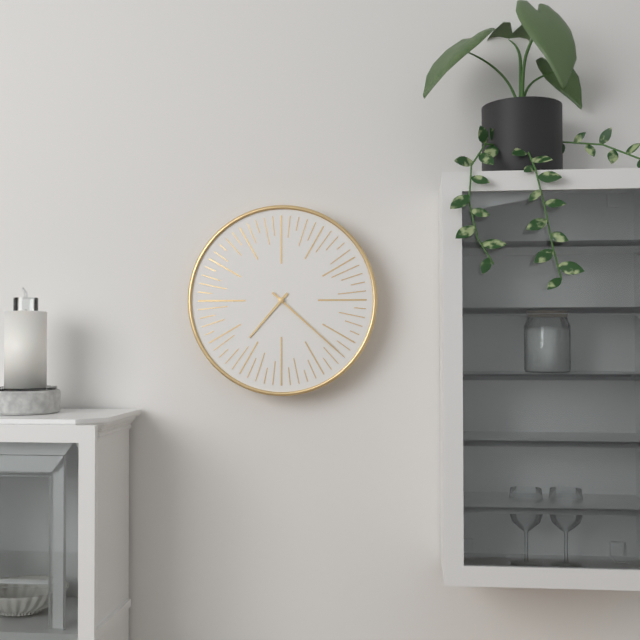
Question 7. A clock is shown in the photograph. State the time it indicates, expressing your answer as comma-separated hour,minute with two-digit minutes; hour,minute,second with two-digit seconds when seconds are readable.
7,22
